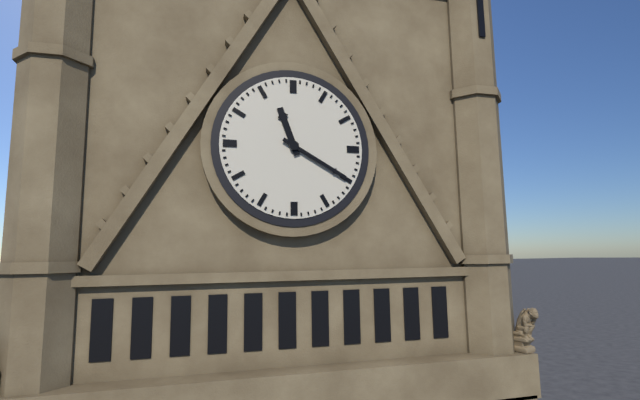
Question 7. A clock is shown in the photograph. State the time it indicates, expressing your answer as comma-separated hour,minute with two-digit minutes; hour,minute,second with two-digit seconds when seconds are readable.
11,20
